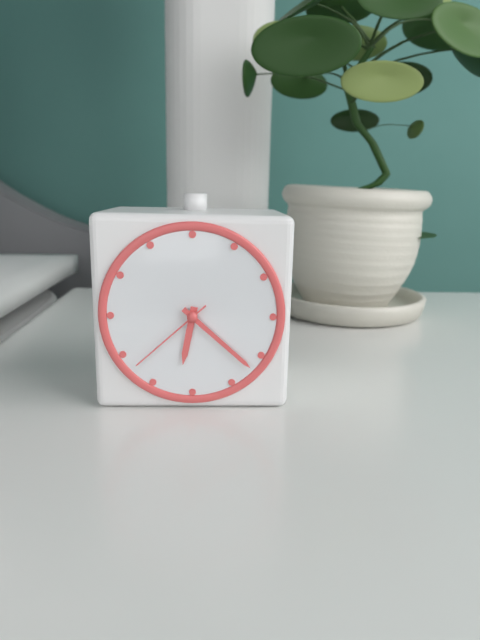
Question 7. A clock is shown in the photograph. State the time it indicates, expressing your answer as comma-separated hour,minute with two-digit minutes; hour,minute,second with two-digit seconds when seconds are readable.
6,22,38
